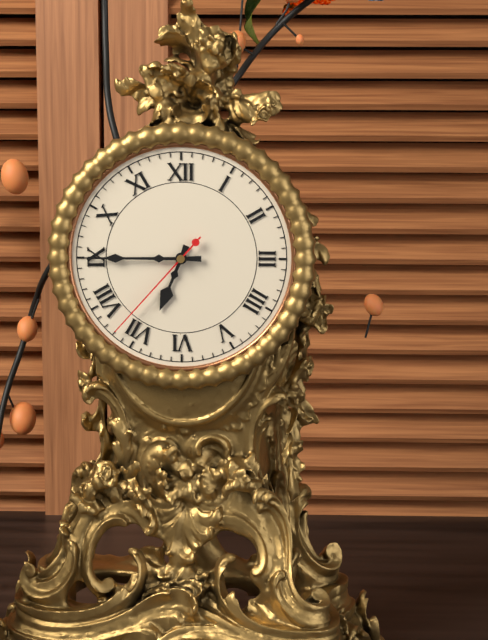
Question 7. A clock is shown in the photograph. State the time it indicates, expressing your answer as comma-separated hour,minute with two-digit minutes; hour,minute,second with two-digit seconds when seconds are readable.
6,45,37
